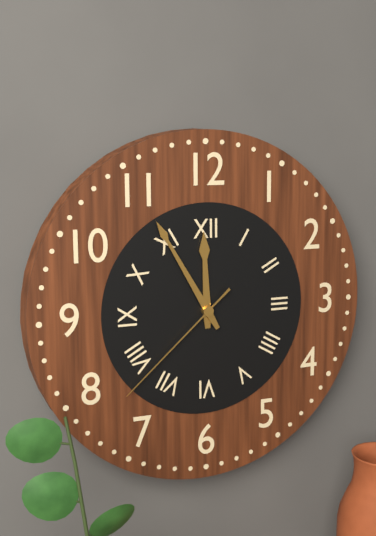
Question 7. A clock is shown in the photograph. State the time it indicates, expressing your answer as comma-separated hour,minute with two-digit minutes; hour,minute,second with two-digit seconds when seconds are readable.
11,55,38
